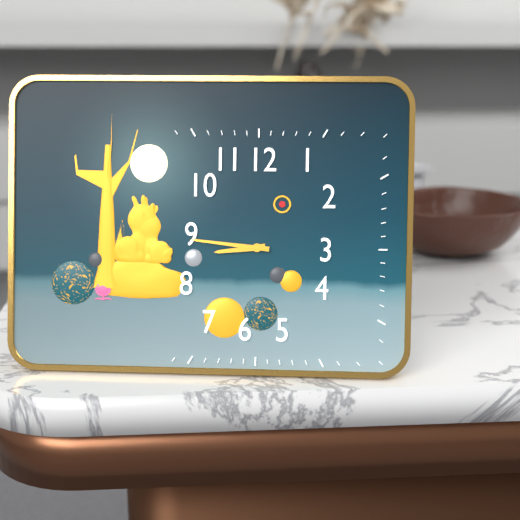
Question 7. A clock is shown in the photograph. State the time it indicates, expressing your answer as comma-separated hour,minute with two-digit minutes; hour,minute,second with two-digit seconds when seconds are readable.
8,46
